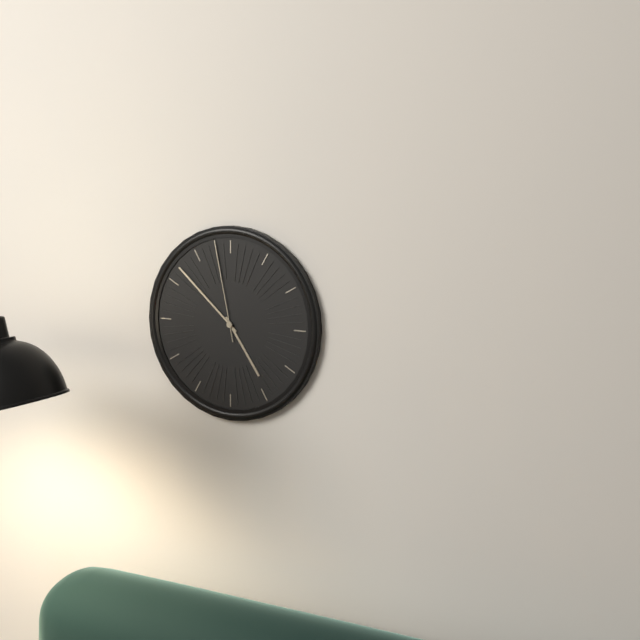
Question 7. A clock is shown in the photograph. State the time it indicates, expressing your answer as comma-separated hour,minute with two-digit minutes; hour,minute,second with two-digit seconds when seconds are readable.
4,52,58
